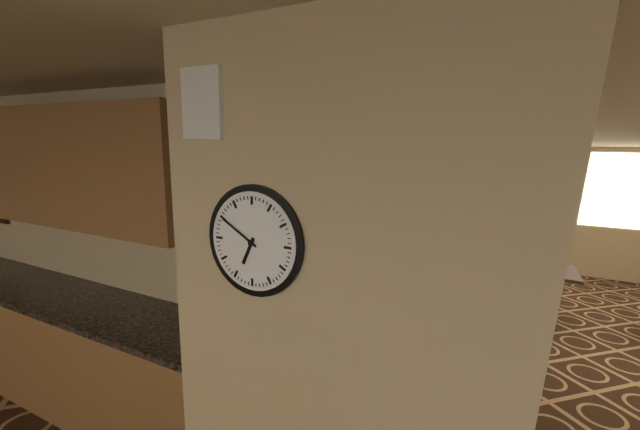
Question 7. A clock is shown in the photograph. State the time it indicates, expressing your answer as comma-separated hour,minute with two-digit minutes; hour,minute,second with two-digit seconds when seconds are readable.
6,50
